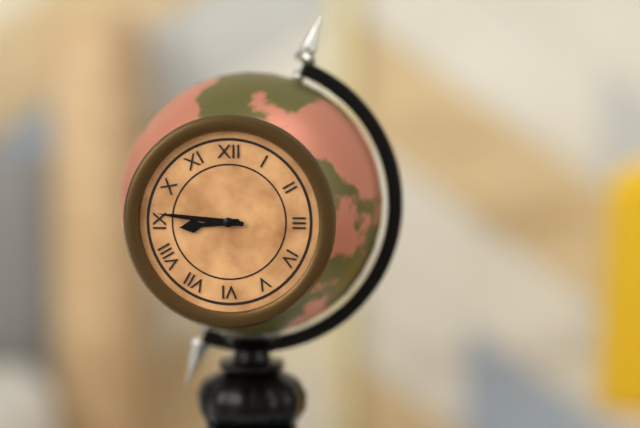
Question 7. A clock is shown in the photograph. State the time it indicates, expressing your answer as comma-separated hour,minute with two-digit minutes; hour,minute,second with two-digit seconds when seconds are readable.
8,46
